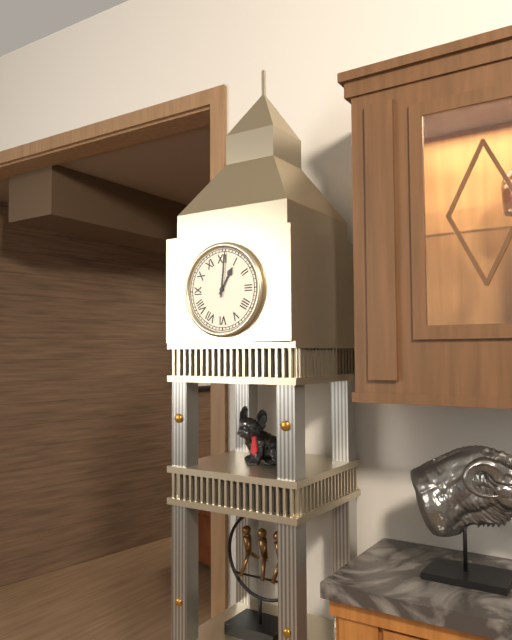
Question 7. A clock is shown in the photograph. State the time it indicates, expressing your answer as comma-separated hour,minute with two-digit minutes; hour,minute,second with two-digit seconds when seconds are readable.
1,01
